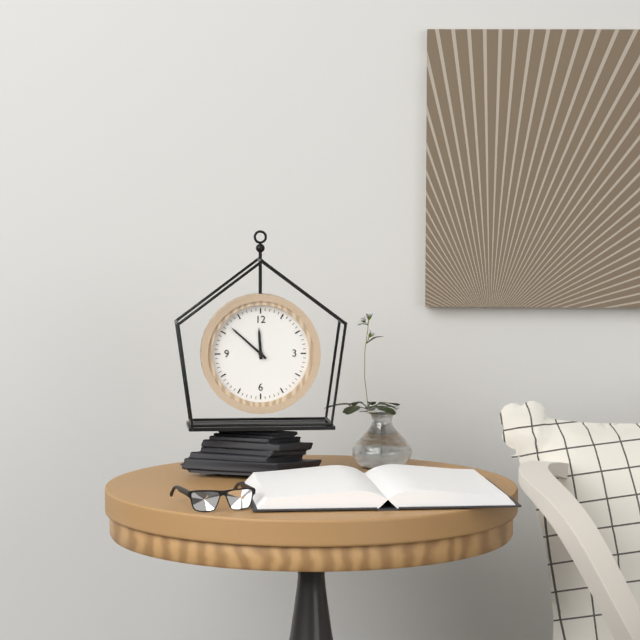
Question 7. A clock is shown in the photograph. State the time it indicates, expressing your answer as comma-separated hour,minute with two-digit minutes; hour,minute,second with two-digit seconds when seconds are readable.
11,52
